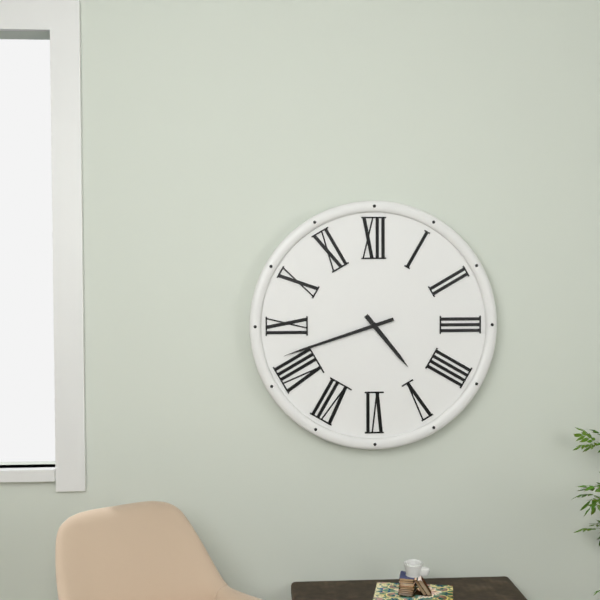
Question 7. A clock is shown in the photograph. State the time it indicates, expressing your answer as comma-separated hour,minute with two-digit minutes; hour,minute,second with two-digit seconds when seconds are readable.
4,42
